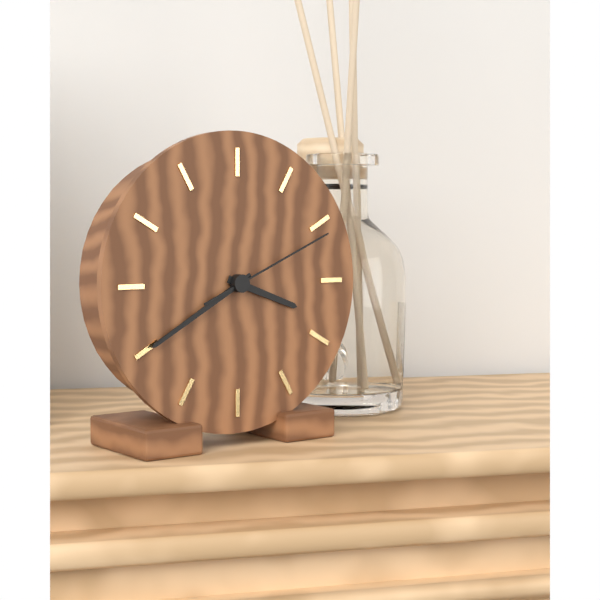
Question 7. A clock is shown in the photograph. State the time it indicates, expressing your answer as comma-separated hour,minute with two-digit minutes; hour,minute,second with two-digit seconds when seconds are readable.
3,40,11
